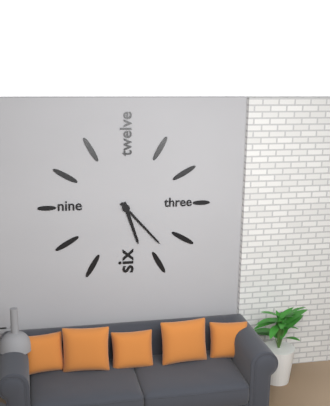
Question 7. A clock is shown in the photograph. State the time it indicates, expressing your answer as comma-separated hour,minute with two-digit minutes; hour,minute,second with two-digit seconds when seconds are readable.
5,23
